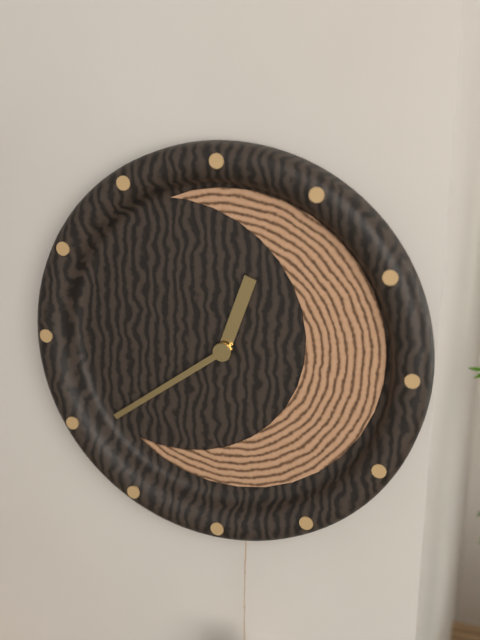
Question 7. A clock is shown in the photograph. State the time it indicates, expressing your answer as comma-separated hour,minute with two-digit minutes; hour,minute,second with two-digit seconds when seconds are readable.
12,39
